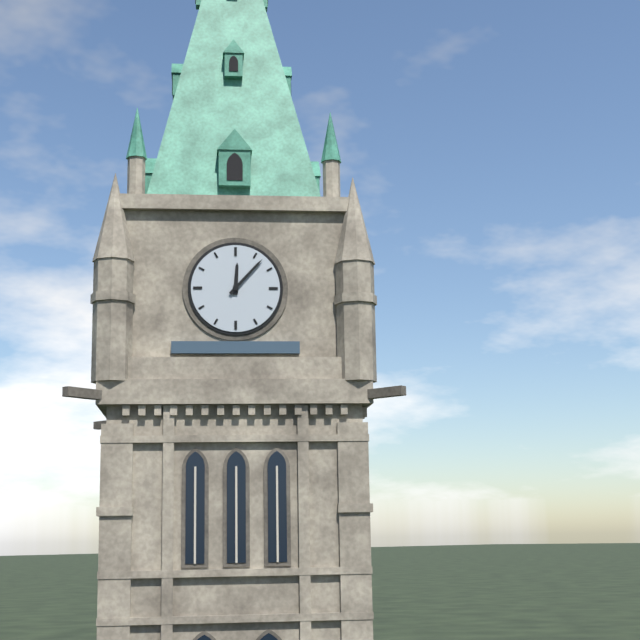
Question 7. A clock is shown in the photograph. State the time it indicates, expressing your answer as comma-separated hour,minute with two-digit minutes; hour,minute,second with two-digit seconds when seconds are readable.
12,07
